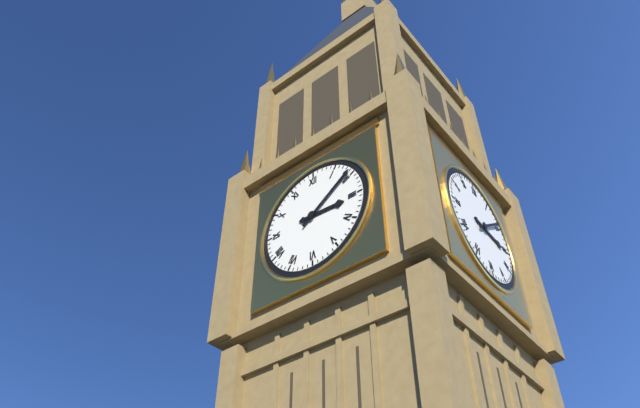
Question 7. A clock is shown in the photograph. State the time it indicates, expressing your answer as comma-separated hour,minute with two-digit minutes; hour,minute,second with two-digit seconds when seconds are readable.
3,09
